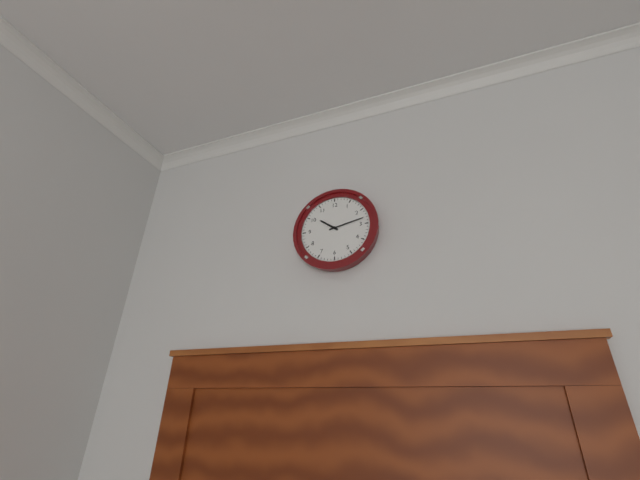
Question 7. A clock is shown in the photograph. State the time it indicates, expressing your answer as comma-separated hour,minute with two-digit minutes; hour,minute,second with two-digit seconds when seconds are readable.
10,13
